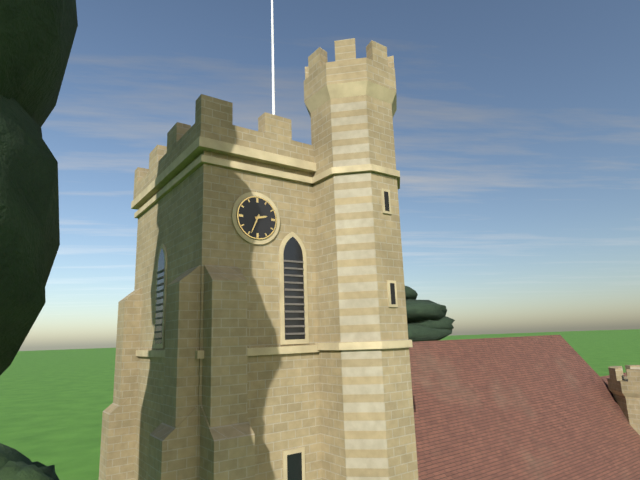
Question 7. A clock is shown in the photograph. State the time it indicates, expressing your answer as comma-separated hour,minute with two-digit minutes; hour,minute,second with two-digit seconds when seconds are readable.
2,34
